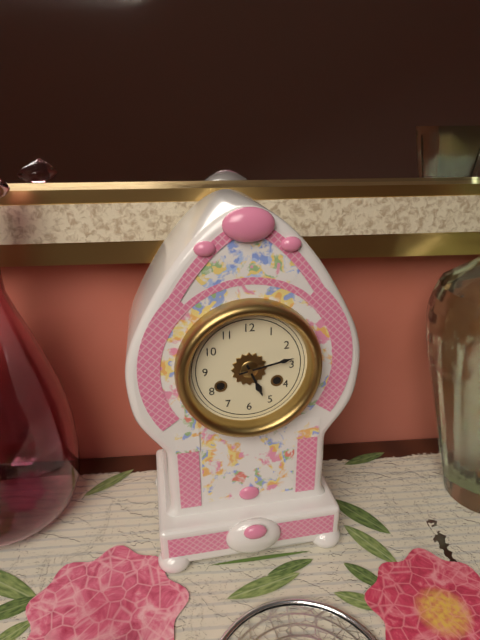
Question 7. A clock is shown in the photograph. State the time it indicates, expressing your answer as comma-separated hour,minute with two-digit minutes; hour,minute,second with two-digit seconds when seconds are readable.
5,13
